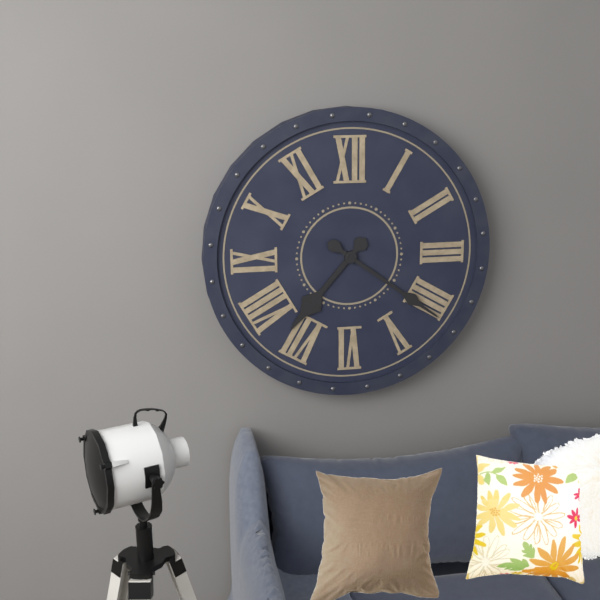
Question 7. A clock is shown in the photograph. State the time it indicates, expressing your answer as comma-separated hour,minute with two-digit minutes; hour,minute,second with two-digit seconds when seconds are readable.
7,21
